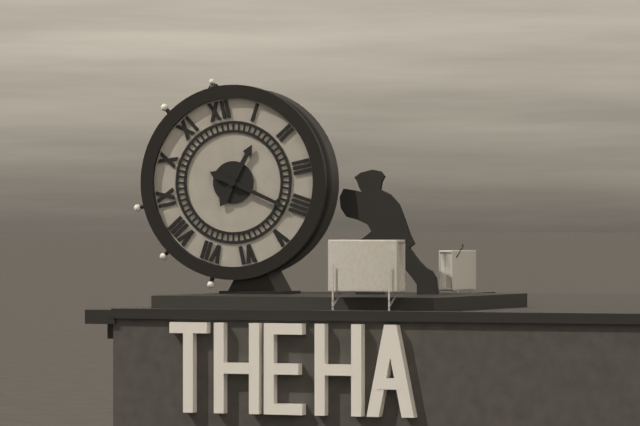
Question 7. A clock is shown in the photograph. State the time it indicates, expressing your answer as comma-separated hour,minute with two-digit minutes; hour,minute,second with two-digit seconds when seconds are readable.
1,21
